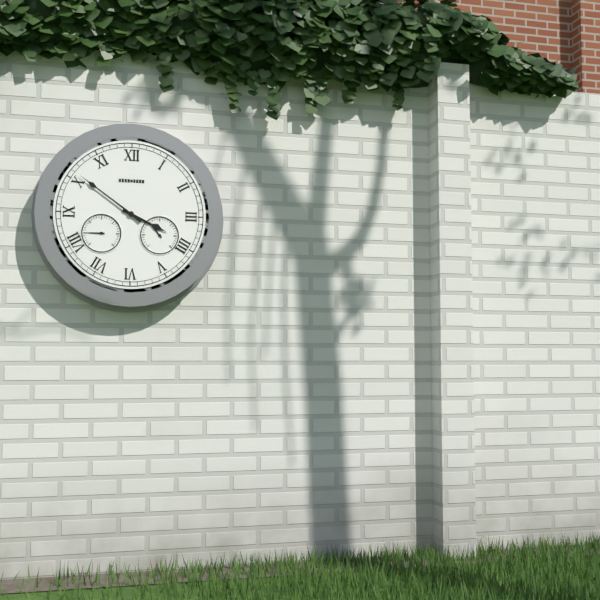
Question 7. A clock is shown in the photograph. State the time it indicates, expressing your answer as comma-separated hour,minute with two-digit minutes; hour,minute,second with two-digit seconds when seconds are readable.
3,51
